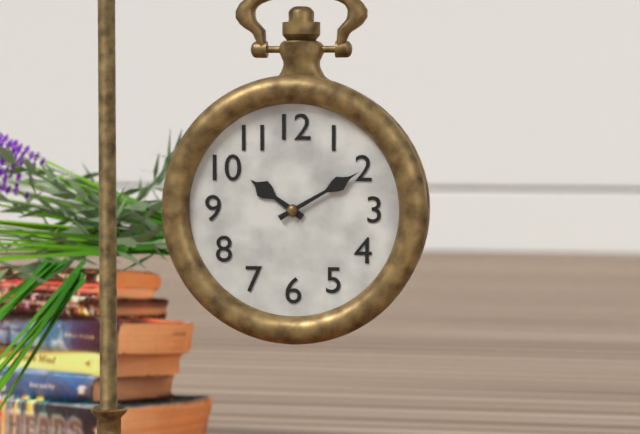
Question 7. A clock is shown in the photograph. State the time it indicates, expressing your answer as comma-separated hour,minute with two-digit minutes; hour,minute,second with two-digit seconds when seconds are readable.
10,10
